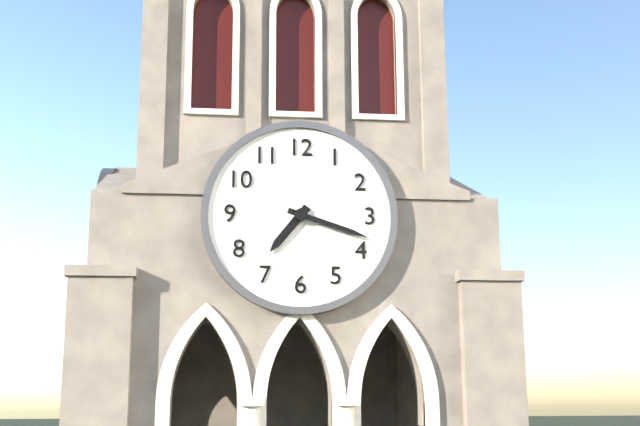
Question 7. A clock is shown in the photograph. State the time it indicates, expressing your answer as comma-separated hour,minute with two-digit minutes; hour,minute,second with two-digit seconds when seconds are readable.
7,18
